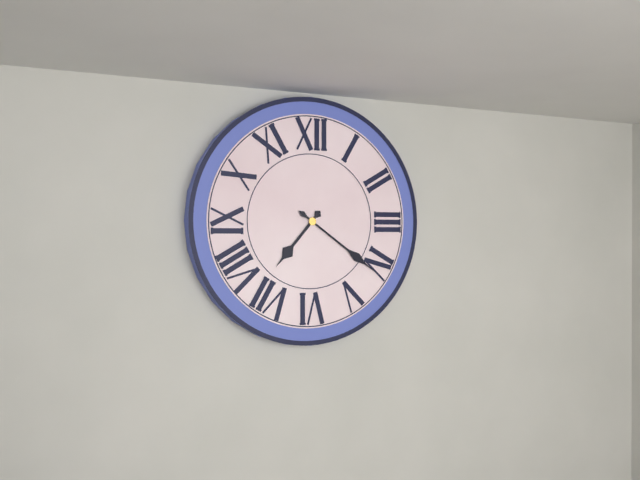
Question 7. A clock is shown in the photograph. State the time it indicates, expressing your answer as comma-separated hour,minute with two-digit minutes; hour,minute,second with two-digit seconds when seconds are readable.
7,21
